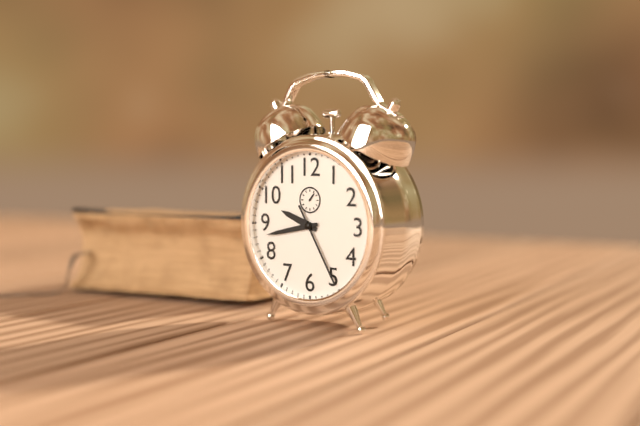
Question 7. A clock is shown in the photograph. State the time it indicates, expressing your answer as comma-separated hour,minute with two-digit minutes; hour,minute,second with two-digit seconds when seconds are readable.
9,43,25
